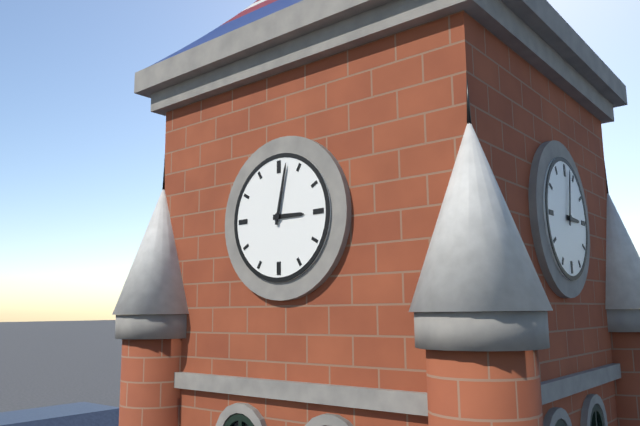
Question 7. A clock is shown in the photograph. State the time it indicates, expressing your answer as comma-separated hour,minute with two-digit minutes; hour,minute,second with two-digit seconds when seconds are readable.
3,02
